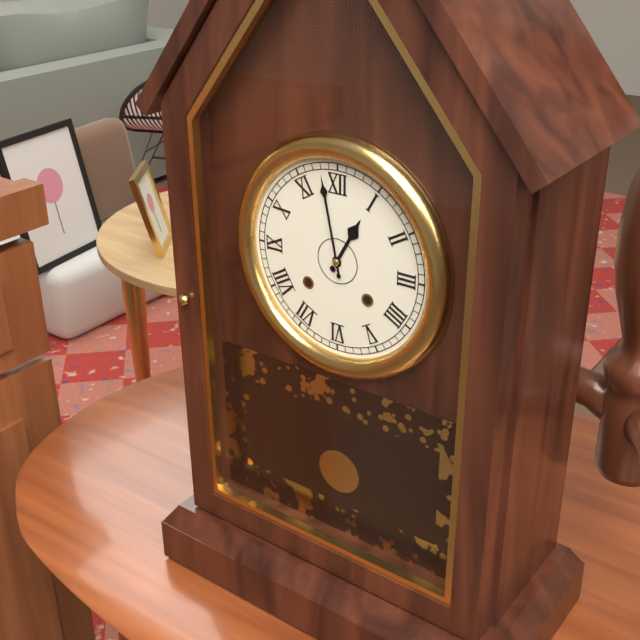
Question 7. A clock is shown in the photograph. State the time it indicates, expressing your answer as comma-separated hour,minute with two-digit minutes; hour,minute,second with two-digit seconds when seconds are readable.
12,58
